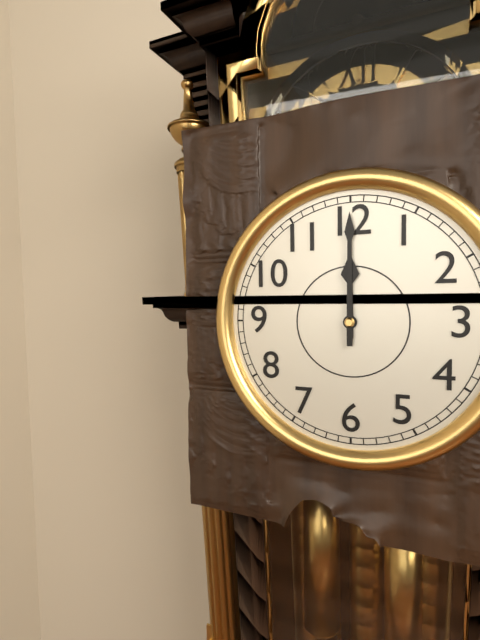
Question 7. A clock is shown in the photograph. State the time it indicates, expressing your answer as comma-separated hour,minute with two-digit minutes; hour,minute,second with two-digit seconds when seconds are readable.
12,00
